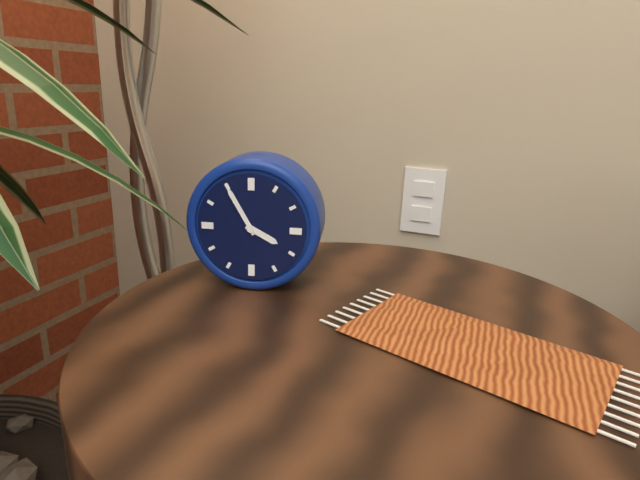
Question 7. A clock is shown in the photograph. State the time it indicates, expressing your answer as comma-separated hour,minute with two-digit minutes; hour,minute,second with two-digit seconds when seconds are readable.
3,55
